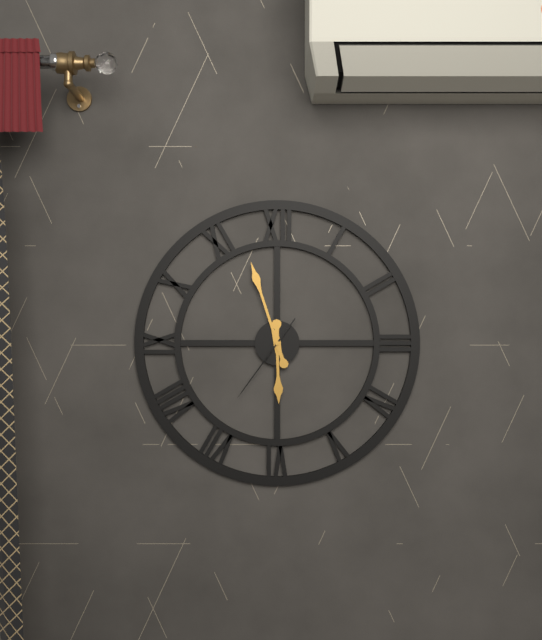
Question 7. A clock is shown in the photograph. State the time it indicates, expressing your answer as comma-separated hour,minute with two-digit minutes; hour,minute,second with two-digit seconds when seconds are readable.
5,57,36
